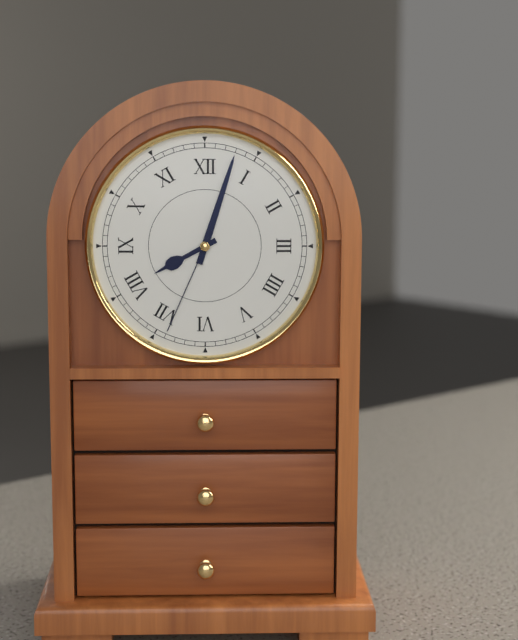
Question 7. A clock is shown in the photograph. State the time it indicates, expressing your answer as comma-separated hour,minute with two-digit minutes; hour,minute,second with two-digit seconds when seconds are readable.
8,03,34
